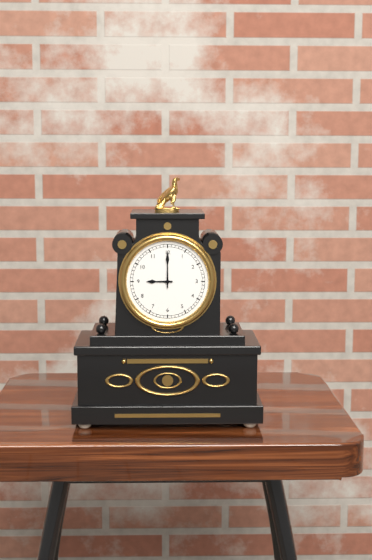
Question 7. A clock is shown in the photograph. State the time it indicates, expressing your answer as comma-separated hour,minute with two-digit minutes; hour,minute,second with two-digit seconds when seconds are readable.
9,00
